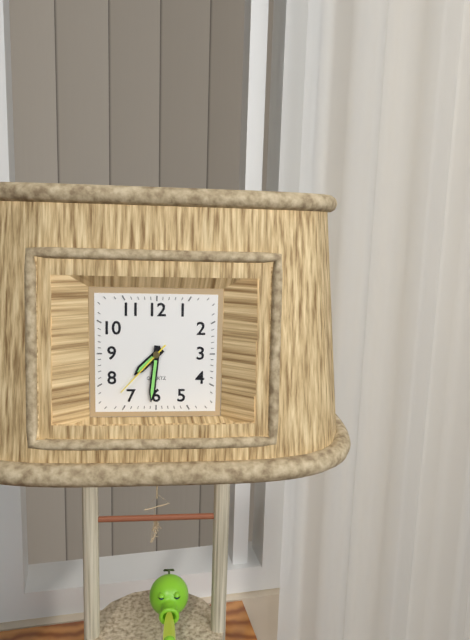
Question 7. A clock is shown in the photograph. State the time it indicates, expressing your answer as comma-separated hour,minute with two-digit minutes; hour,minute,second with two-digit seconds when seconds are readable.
7,31,37
